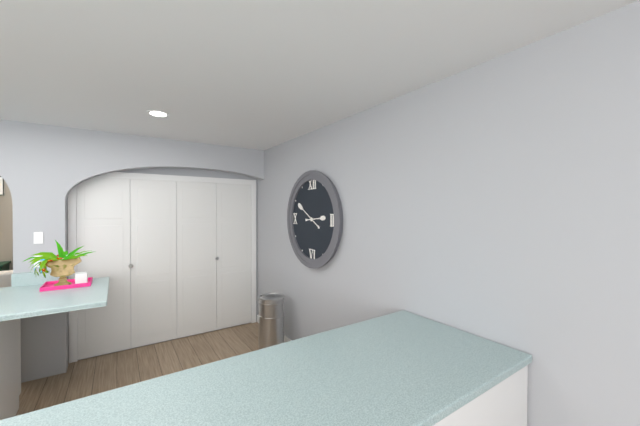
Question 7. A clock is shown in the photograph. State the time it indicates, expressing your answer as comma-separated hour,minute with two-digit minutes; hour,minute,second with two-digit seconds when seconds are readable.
2,50
